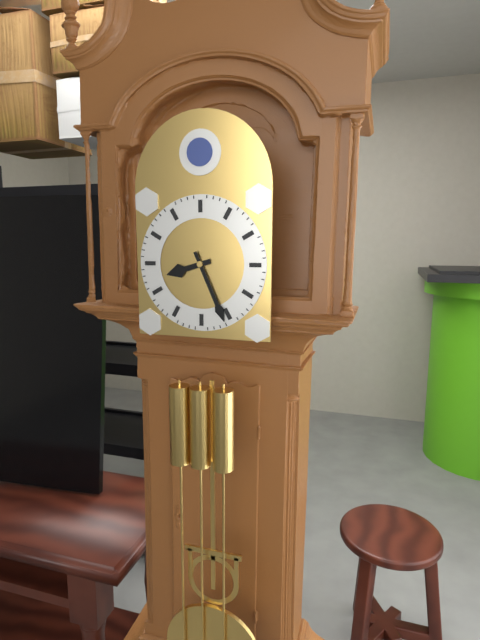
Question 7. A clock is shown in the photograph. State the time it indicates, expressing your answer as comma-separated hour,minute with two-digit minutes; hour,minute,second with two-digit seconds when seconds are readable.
8,26
